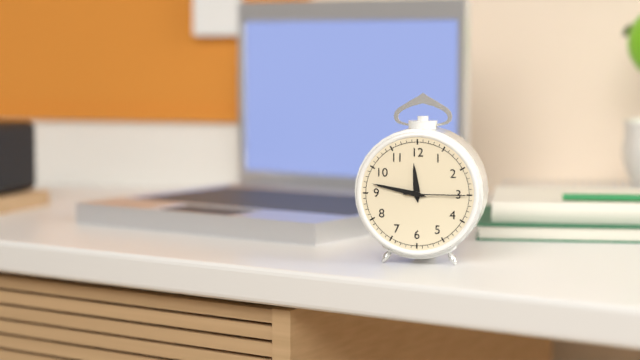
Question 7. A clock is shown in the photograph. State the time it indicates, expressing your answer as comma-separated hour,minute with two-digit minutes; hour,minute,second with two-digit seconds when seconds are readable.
11,47,15
